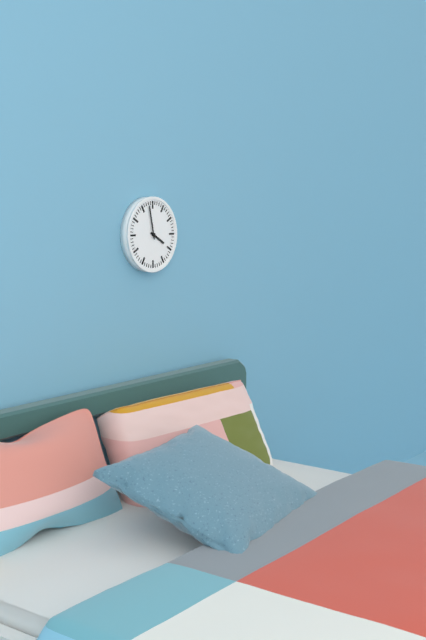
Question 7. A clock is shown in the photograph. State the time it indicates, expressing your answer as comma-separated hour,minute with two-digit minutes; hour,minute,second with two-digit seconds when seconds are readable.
3,58
